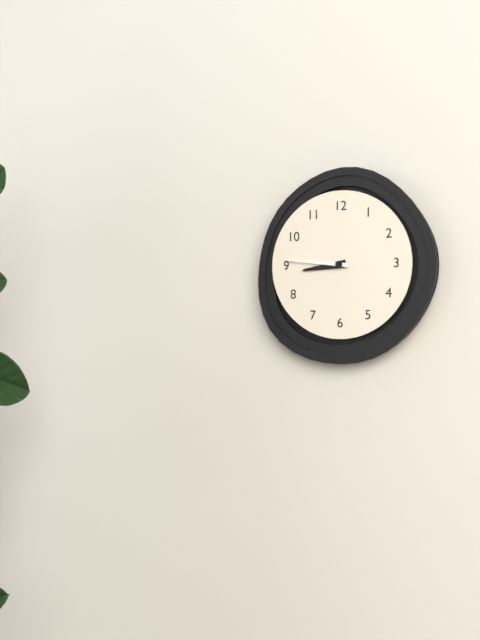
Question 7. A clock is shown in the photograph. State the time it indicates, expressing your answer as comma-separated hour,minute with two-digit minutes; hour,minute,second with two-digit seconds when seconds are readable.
8,46
